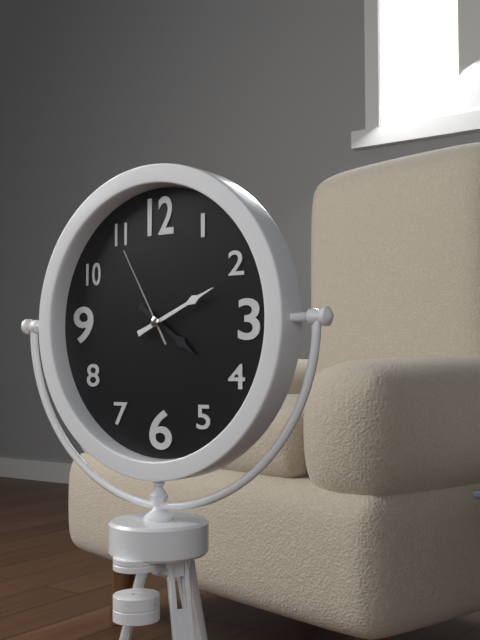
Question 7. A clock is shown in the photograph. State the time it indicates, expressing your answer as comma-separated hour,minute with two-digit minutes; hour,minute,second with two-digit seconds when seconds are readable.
4,11,55
